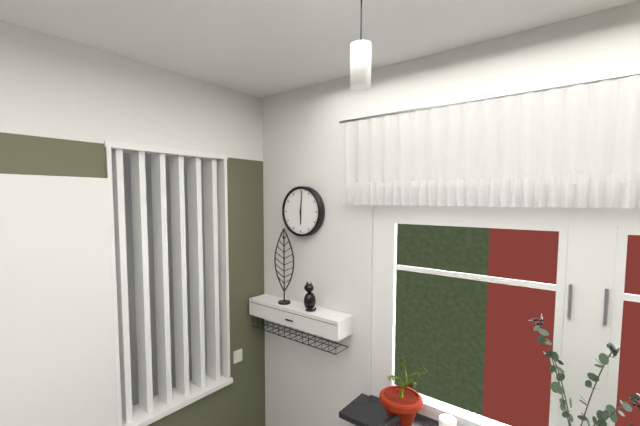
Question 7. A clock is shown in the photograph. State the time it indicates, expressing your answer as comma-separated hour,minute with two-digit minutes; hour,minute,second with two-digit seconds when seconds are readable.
6,01
